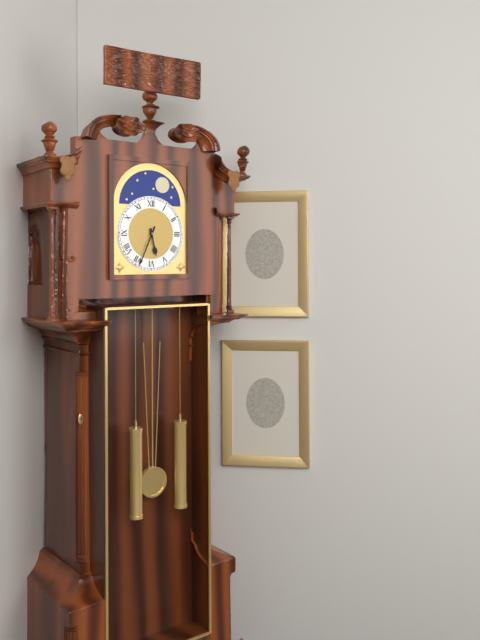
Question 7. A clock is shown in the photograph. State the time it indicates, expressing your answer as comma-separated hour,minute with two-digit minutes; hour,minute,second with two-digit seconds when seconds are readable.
5,34
